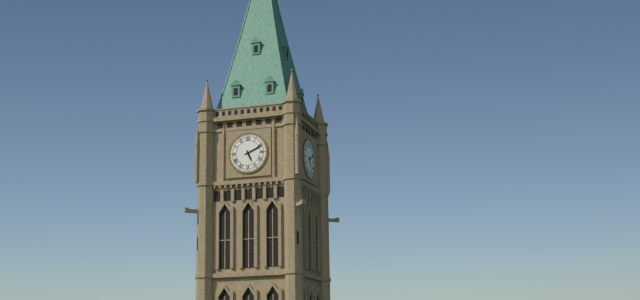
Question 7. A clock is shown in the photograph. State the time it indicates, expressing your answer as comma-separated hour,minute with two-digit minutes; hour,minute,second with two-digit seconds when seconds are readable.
5,11
